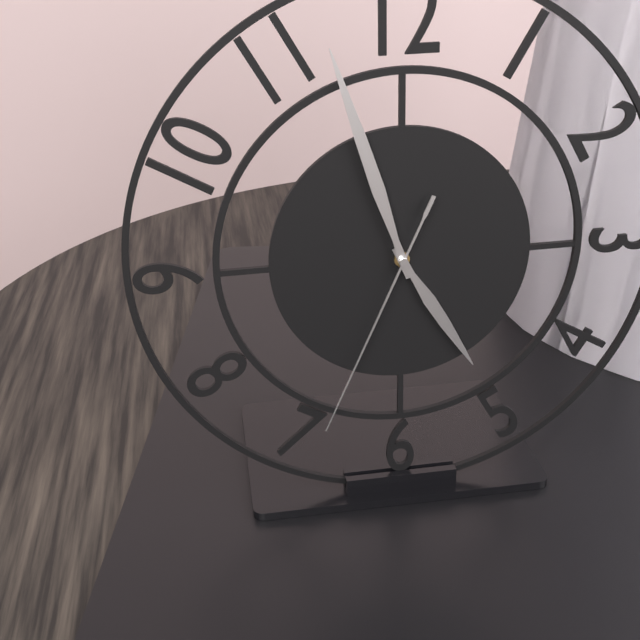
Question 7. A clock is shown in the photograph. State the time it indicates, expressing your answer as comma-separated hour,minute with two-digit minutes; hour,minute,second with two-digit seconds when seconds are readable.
4,57,34
